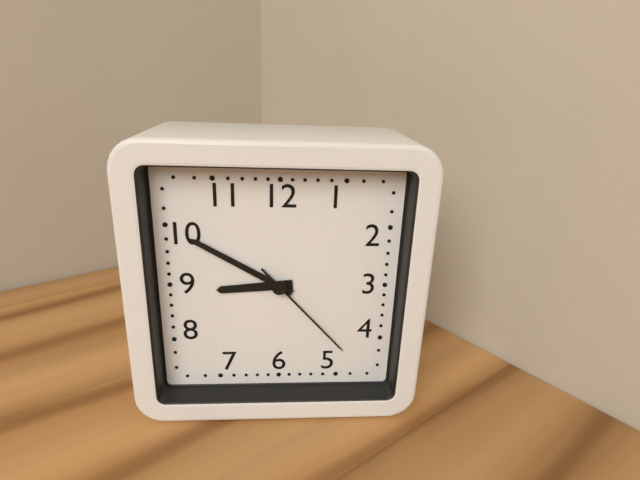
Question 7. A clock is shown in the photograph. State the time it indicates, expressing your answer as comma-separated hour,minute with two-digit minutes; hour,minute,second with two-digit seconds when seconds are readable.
8,50,23
